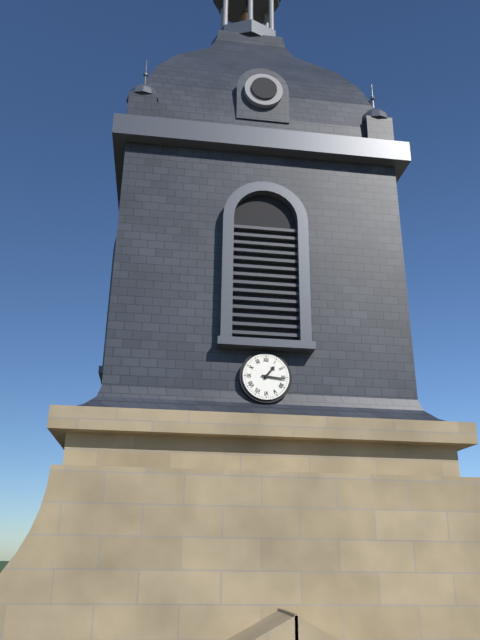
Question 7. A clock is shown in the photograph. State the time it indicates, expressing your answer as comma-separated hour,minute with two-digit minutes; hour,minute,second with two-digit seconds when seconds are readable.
1,16
